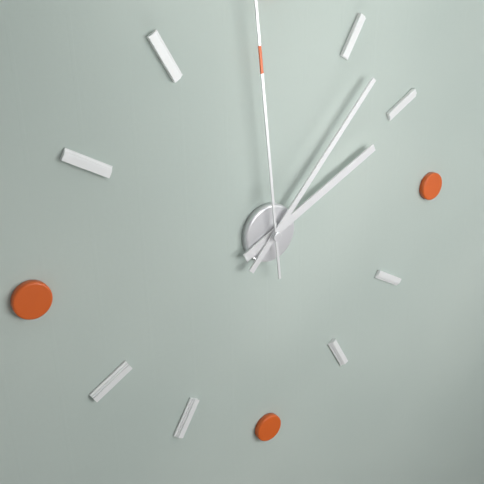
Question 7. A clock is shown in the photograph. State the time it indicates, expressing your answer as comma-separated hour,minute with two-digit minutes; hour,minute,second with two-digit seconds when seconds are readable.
2,07
